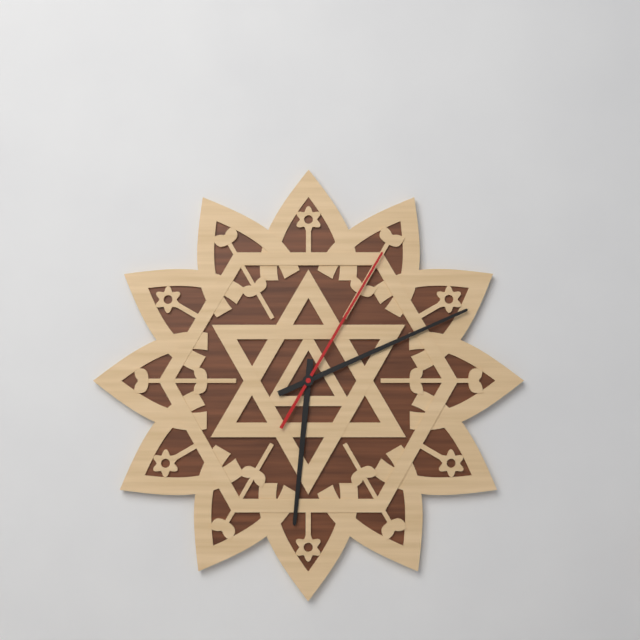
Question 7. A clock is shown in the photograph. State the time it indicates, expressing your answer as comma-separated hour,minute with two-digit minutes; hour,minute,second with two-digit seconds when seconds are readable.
6,11,05
